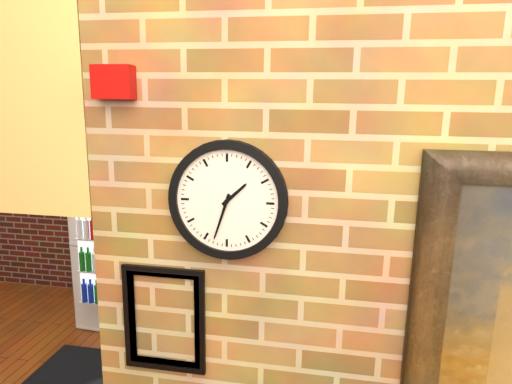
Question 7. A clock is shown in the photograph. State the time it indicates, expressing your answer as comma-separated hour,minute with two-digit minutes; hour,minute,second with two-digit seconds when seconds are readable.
1,33
